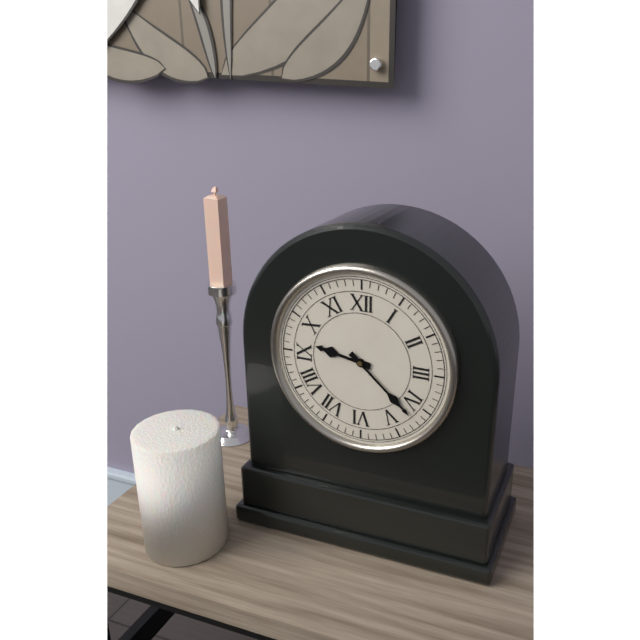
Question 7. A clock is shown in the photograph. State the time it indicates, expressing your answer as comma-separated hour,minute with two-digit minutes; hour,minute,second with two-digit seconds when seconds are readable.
9,22
